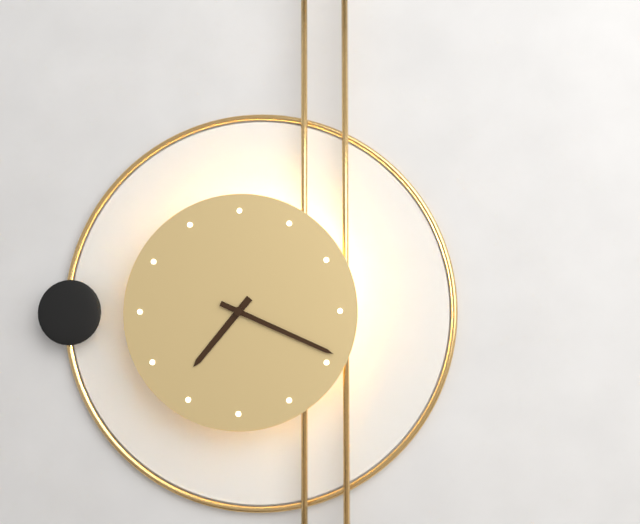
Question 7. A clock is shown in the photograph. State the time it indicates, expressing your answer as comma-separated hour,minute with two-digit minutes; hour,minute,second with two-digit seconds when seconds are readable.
7,19
